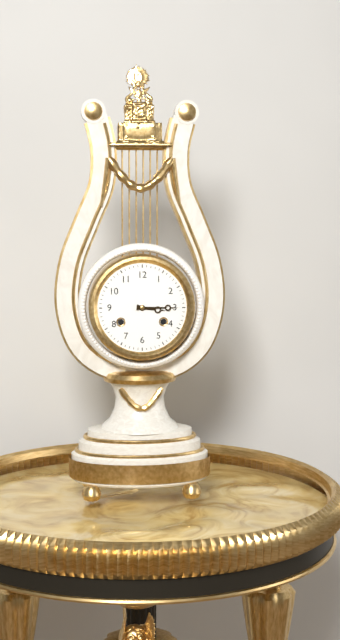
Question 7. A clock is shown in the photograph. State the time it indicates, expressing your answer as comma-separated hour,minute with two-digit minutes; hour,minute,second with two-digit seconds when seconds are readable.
3,15
